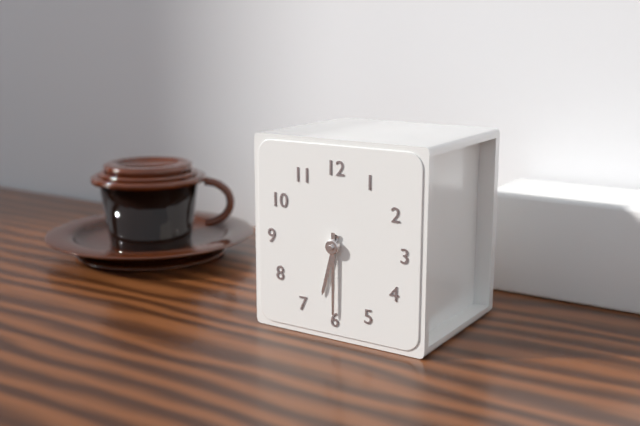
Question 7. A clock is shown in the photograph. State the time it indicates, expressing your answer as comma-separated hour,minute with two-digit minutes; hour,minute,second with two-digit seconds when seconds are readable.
6,30
